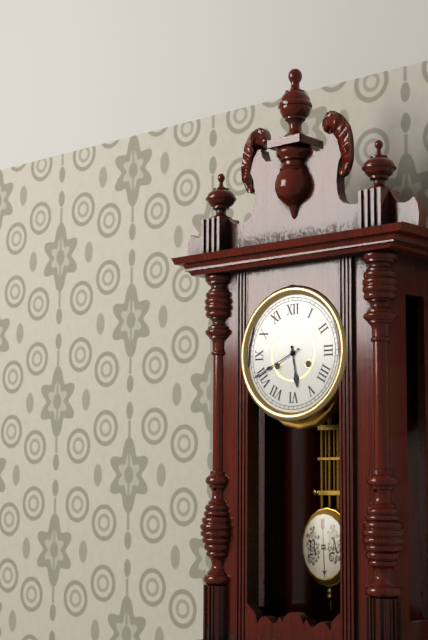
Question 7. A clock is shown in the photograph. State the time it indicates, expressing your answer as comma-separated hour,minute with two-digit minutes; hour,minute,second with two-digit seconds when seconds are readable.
5,41
